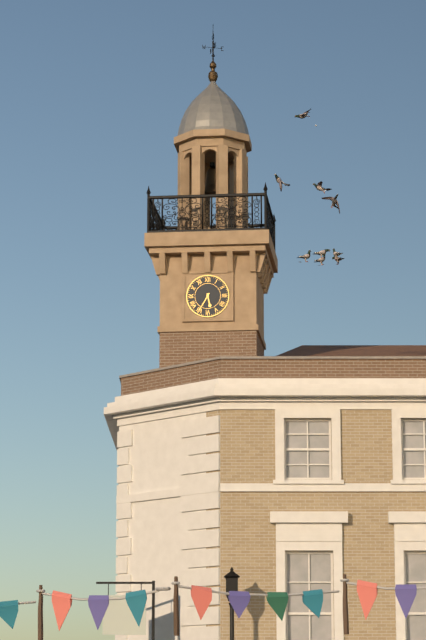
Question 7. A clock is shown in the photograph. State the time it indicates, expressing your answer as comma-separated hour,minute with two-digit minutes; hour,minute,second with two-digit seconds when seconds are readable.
5,35
